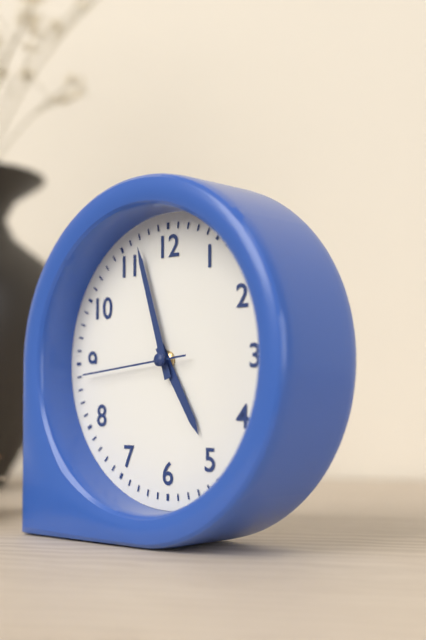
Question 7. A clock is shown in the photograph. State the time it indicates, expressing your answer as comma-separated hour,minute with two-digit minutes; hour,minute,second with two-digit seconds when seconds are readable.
4,57,44
